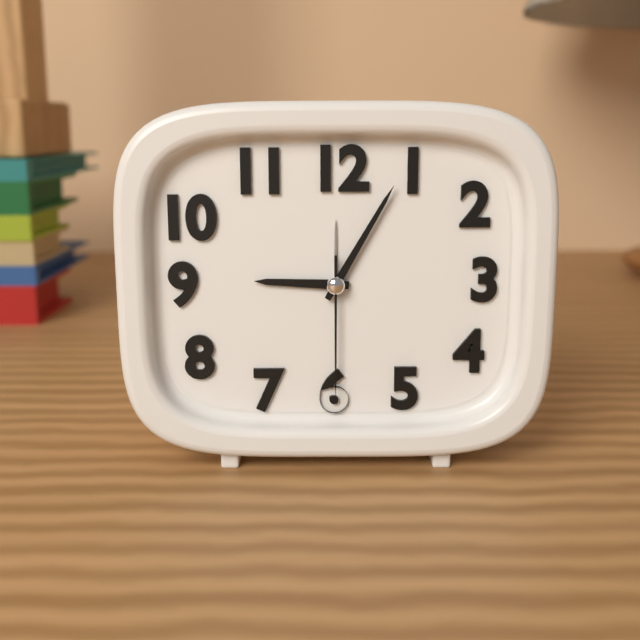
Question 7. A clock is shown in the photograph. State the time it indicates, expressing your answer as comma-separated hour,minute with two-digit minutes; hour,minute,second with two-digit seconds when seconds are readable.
9,05,30
